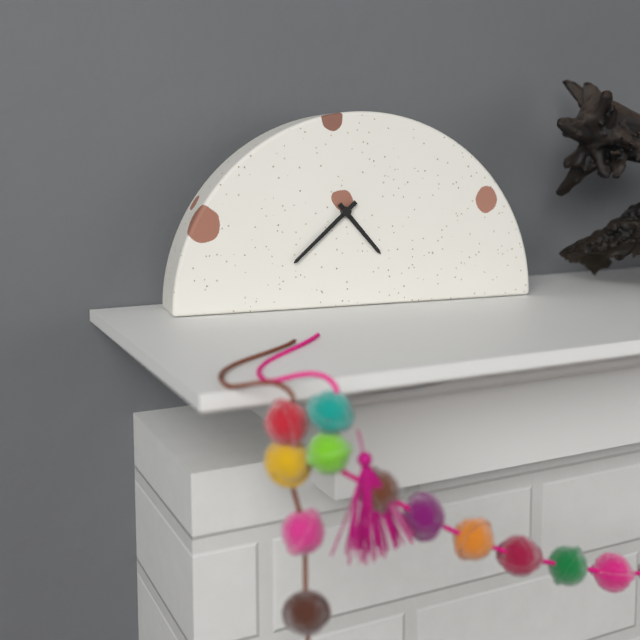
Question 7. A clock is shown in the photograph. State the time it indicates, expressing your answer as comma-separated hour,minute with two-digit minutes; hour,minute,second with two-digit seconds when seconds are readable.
4,38
